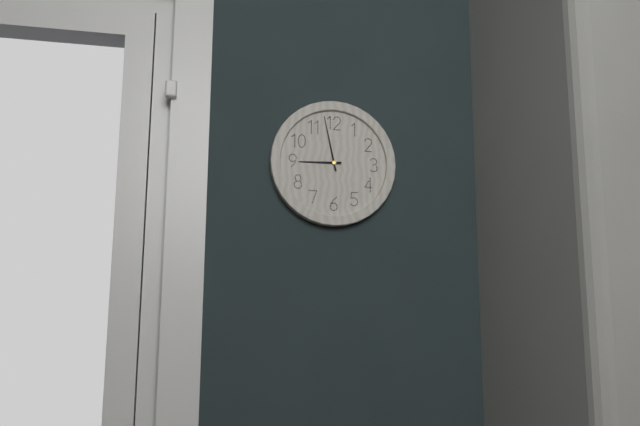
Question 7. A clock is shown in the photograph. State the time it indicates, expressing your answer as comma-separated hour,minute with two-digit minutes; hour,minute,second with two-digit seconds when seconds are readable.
8,58
